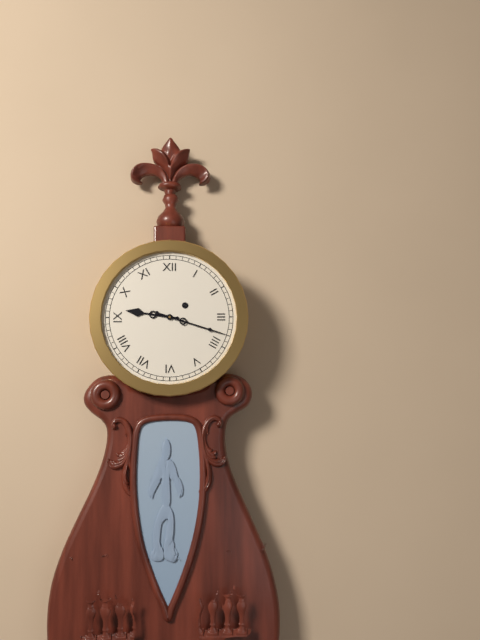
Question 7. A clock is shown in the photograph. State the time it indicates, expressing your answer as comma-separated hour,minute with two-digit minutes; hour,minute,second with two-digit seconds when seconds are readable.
9,18
